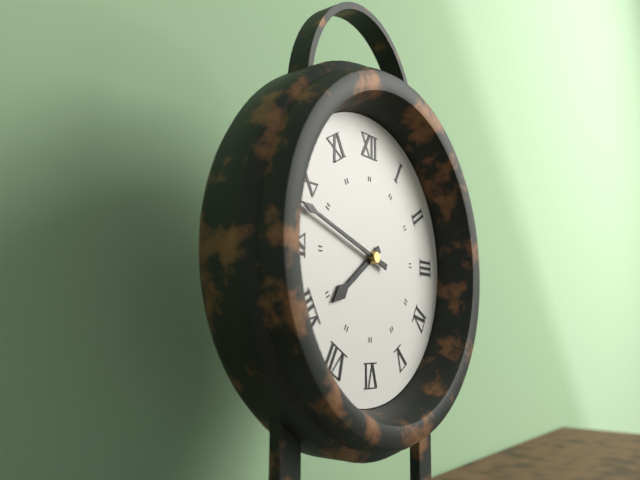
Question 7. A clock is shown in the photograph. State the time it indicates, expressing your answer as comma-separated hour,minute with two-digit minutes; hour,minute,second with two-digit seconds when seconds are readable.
7,48
